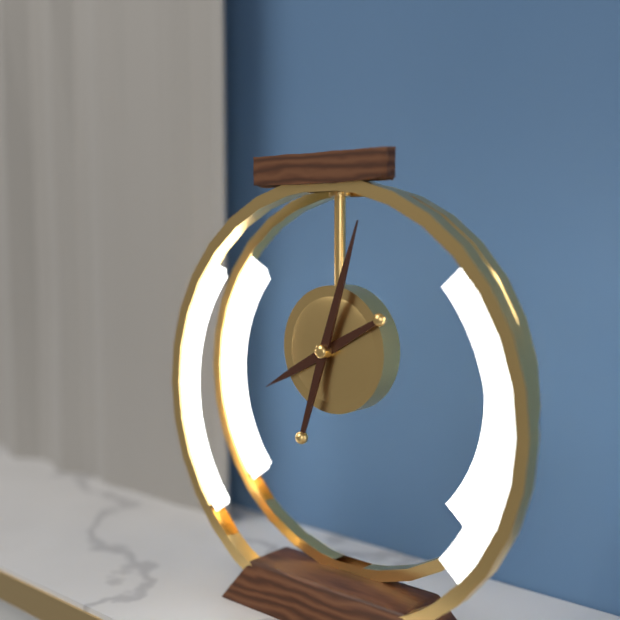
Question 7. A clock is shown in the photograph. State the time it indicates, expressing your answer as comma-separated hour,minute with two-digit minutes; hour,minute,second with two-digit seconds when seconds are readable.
8,03
